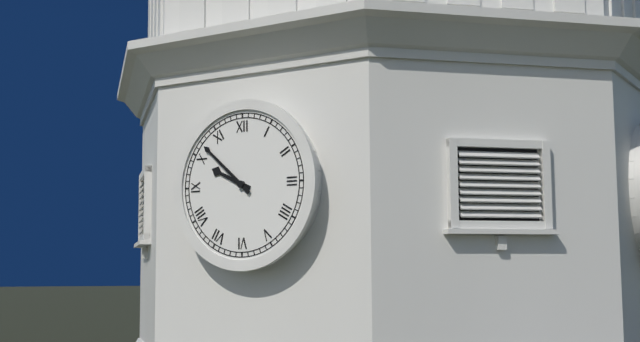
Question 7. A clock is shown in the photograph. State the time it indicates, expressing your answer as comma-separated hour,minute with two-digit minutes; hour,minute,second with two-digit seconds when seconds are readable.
9,52
